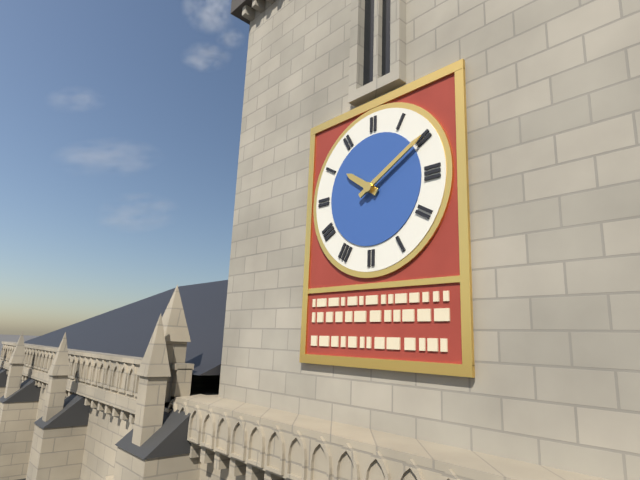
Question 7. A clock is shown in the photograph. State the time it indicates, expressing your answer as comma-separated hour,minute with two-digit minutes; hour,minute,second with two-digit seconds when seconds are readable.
10,10
